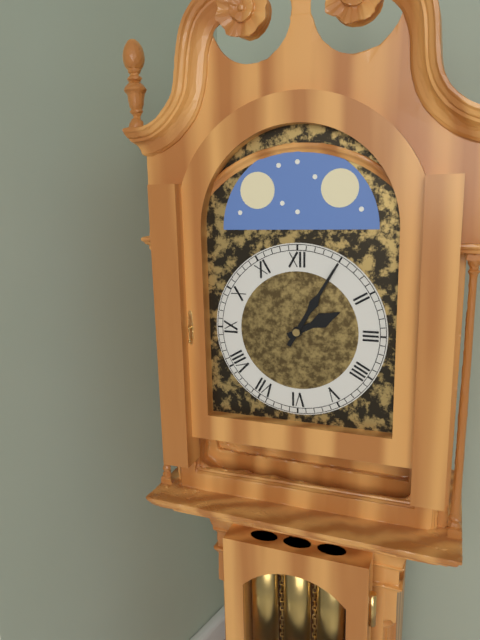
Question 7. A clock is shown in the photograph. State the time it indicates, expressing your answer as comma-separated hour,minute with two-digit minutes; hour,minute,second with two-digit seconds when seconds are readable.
2,05
